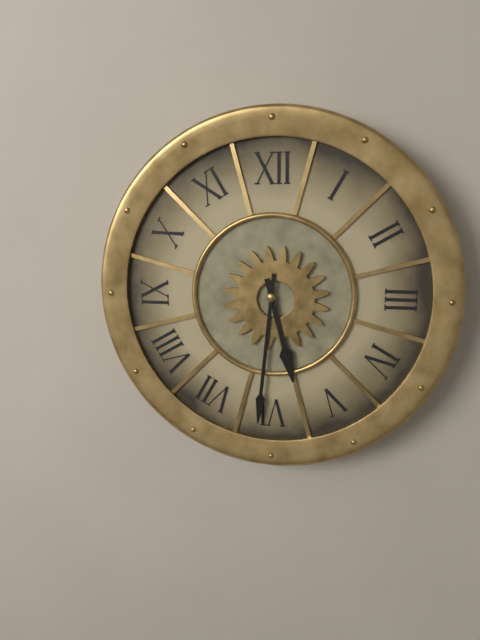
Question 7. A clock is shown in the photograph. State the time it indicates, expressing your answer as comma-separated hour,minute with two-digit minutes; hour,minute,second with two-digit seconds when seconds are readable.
5,31
